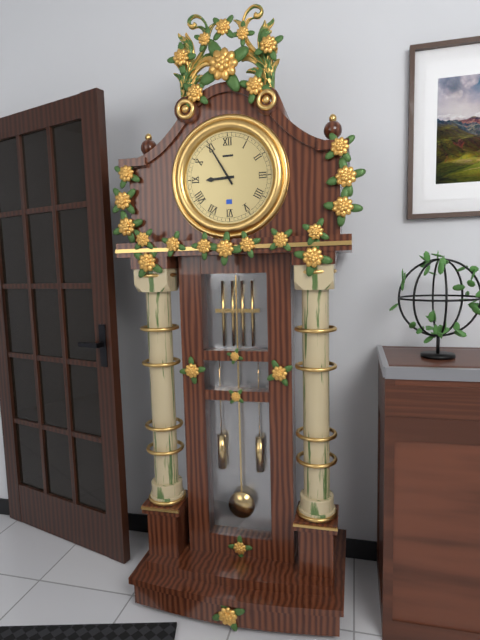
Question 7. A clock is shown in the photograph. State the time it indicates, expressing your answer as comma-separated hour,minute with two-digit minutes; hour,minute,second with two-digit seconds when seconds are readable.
8,55
